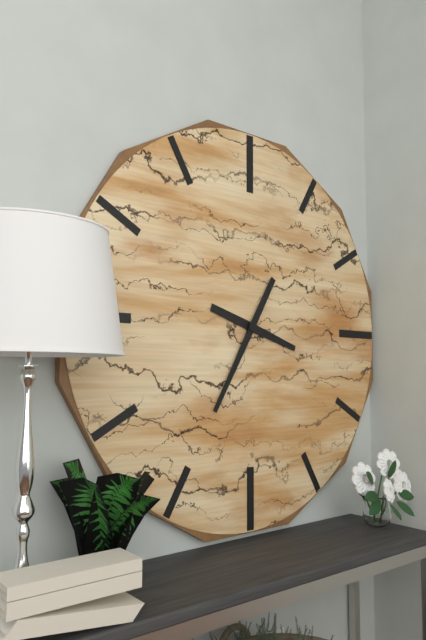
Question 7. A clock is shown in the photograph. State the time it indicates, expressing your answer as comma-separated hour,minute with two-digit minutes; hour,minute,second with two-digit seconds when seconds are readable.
3,35
